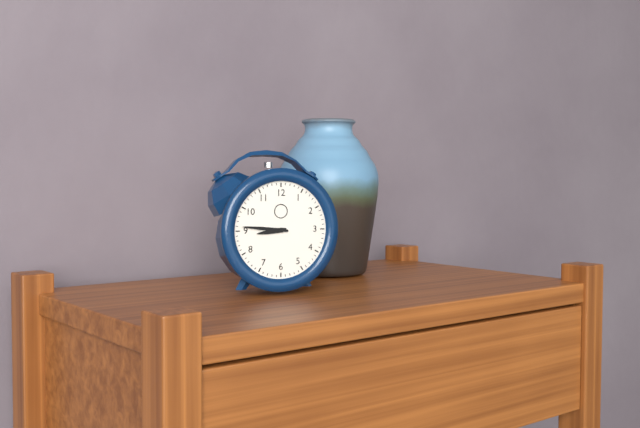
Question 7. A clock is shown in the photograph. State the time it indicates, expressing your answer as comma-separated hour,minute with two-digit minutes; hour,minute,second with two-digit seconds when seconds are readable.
8,46
